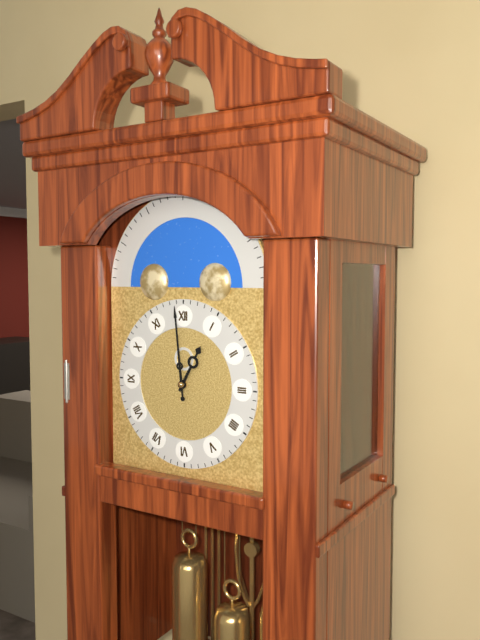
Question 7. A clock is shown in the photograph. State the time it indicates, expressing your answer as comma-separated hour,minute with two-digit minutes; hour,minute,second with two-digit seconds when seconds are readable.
12,59
